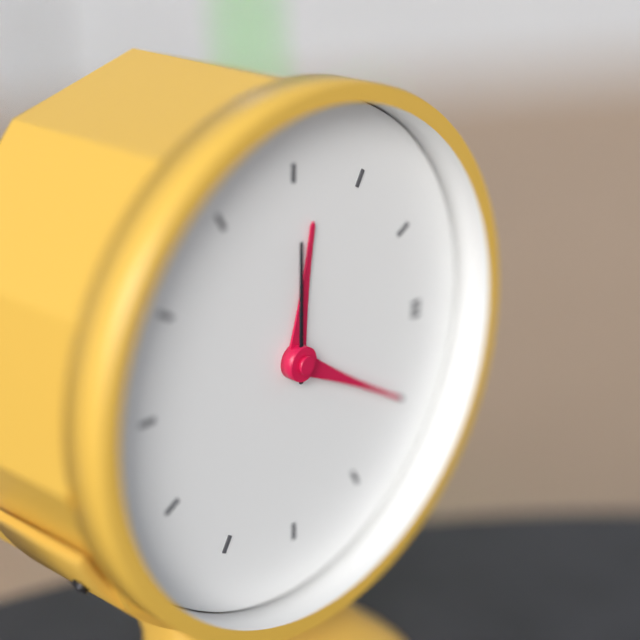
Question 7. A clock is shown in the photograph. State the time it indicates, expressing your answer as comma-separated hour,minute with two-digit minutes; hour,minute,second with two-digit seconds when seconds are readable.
12,20,00
